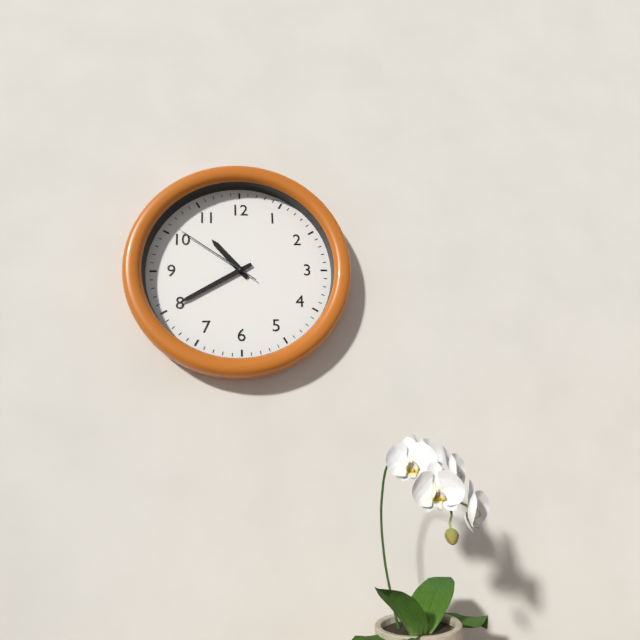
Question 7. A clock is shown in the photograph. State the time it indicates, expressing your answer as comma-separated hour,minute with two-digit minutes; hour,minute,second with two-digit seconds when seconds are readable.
10,40,51
